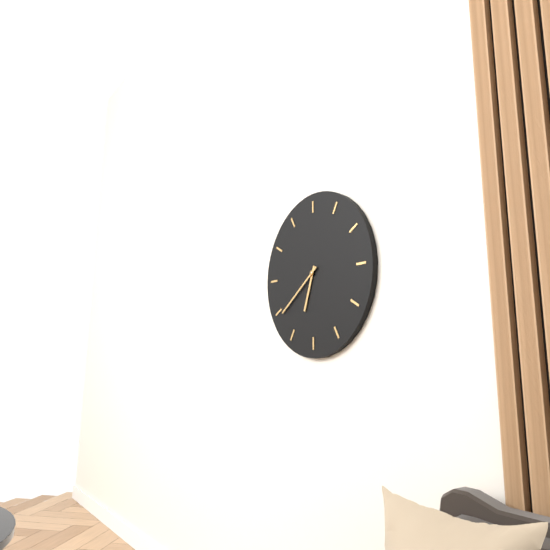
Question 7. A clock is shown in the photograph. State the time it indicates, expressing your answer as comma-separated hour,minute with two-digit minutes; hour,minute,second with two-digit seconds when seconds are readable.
6,39
